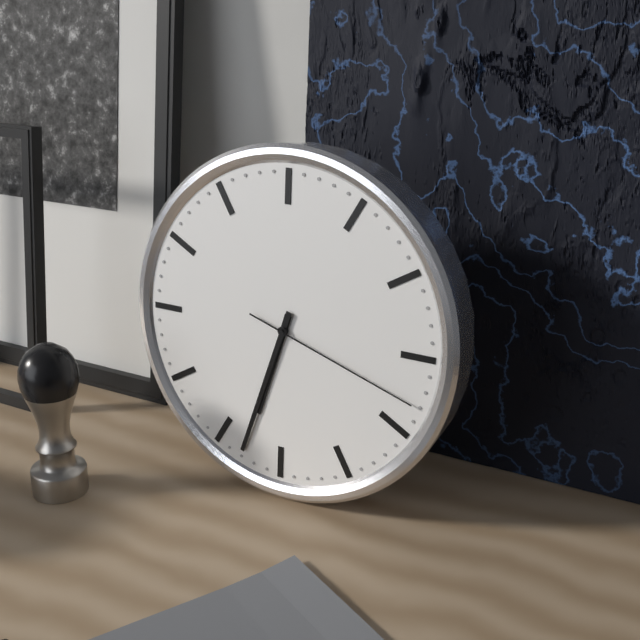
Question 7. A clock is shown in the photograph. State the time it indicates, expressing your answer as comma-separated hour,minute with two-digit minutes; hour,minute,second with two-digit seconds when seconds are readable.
6,33,18
